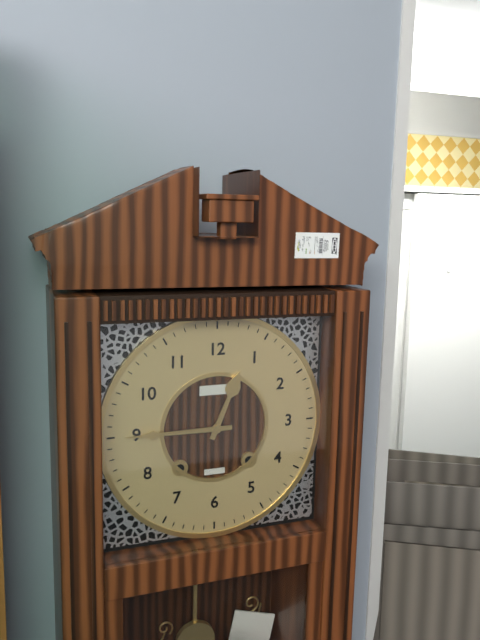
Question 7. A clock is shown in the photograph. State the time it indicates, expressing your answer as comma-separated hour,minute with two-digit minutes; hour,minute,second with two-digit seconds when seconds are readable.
12,45
